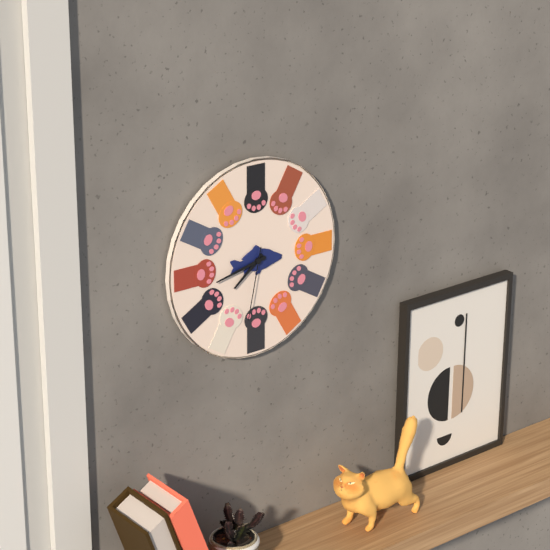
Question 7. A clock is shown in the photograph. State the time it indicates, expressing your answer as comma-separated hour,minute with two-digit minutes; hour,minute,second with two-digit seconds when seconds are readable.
7,43,32
